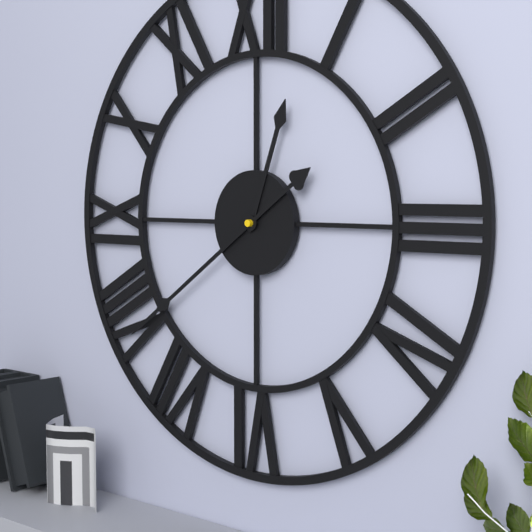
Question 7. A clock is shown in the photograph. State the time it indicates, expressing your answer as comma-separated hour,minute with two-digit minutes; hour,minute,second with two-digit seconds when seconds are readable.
12,39
